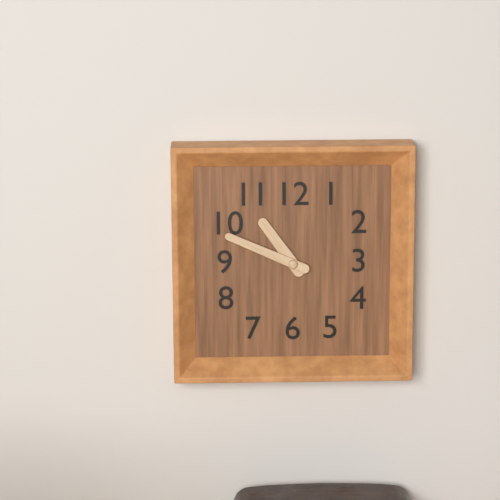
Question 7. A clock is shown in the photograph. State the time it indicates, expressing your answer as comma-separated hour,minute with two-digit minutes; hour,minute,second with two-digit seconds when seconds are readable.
10,49
